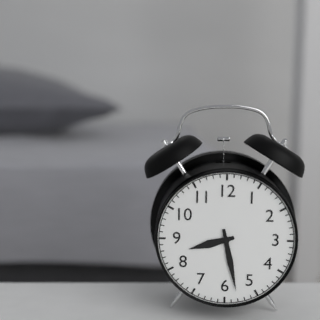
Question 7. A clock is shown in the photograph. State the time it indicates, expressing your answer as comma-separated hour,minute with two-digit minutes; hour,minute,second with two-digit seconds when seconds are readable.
8,28
